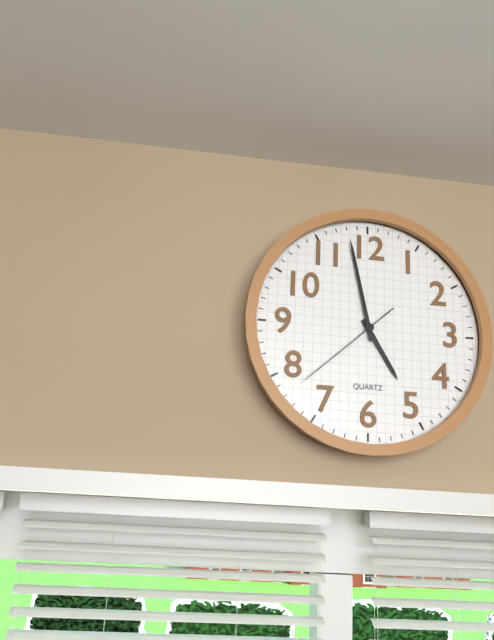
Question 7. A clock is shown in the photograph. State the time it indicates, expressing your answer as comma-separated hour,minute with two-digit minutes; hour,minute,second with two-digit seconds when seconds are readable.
4,58,38
